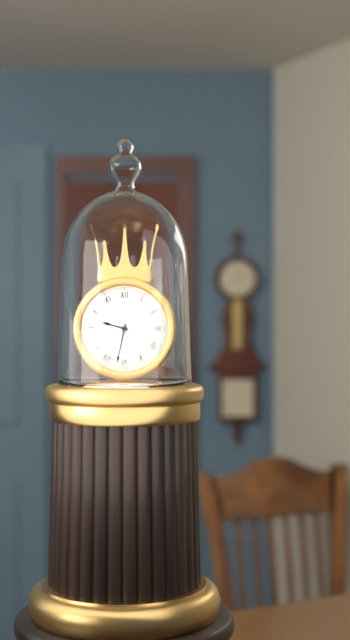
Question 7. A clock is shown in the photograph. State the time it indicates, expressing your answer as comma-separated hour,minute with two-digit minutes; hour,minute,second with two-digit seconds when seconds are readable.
9,32
